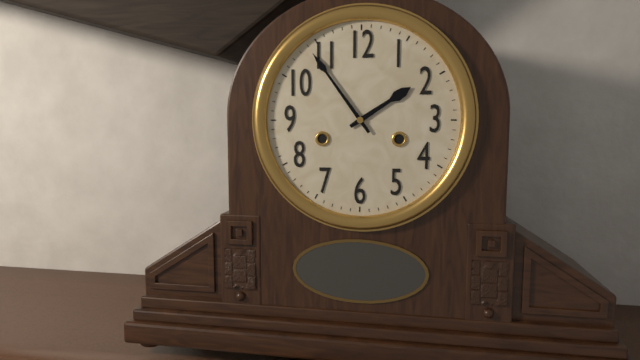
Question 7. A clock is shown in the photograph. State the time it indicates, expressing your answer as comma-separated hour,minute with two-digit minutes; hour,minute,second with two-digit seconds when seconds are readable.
1,54
